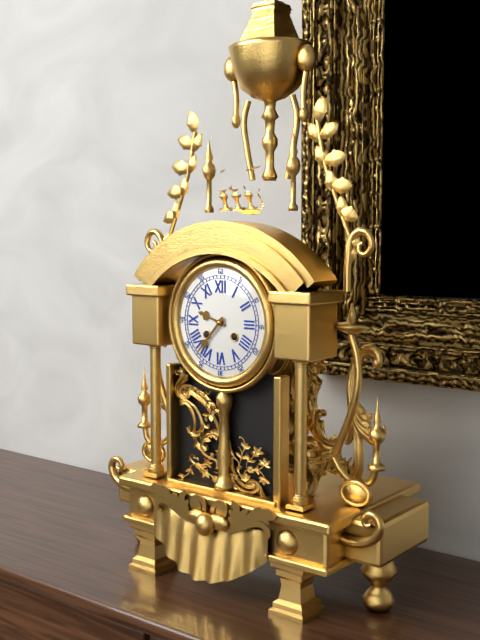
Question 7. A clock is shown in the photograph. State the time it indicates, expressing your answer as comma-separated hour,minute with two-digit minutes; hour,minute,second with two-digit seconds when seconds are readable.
9,37
